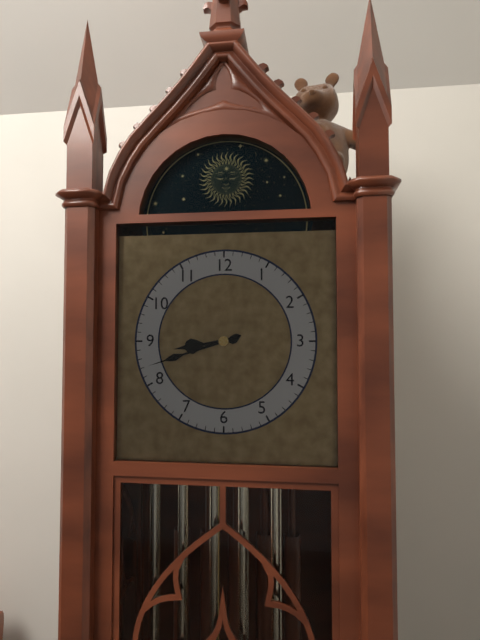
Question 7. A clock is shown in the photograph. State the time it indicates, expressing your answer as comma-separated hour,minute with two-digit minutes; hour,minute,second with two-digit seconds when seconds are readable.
8,42
